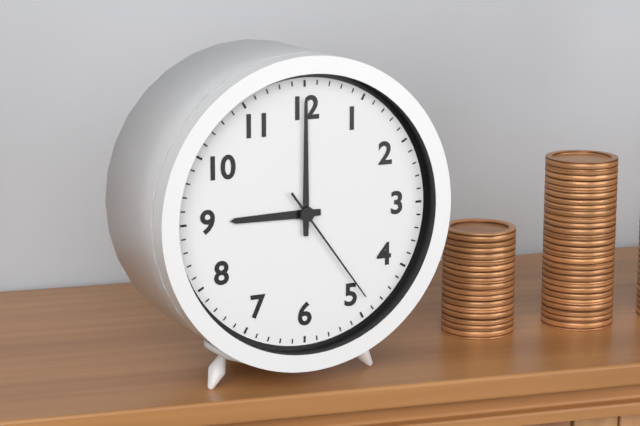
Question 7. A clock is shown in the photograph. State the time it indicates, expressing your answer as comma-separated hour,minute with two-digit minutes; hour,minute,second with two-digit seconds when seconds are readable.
9,00,24
